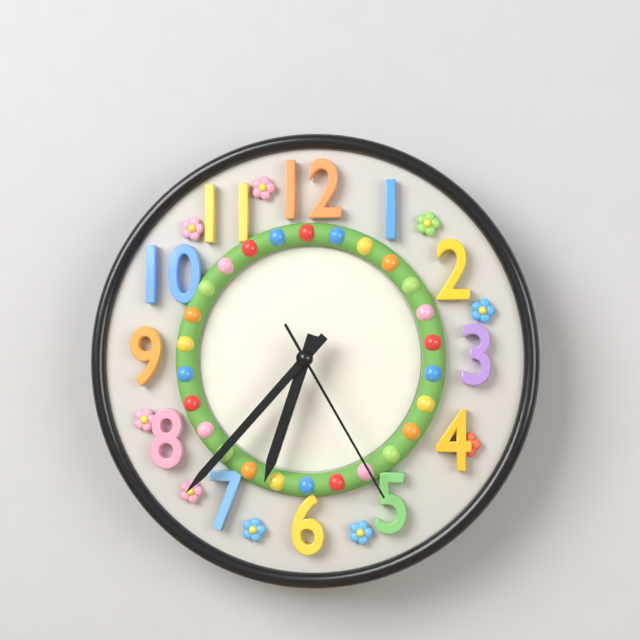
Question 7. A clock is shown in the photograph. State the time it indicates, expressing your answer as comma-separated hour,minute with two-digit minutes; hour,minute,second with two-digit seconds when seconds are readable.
6,37,25
